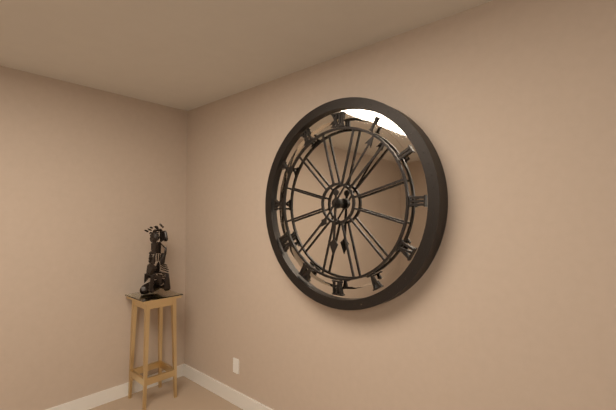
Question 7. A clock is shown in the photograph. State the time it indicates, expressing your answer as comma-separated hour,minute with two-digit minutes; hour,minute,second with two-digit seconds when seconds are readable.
6,06
